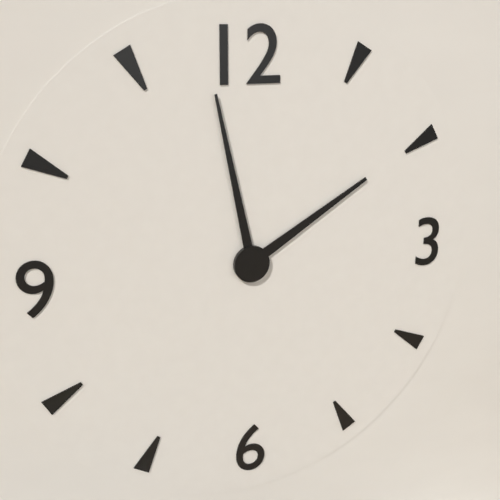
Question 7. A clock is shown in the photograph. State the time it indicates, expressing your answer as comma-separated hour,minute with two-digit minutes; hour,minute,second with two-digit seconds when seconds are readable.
1,58
